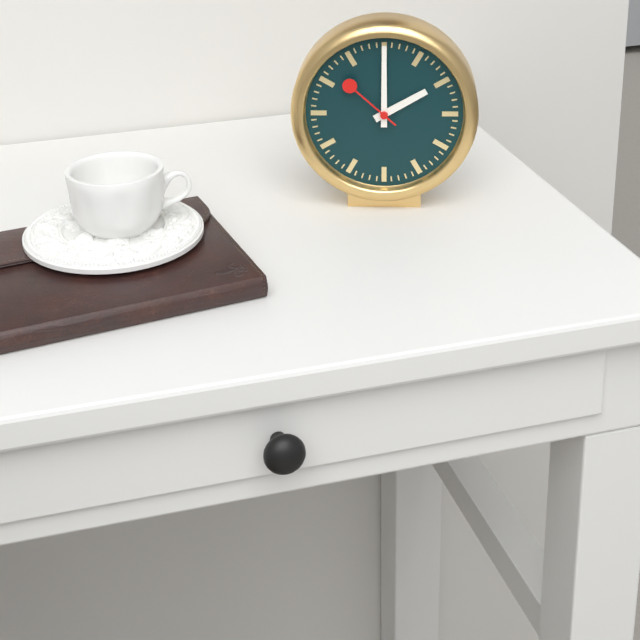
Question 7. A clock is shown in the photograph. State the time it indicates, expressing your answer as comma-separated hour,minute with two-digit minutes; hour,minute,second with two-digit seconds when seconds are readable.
2,00,52
